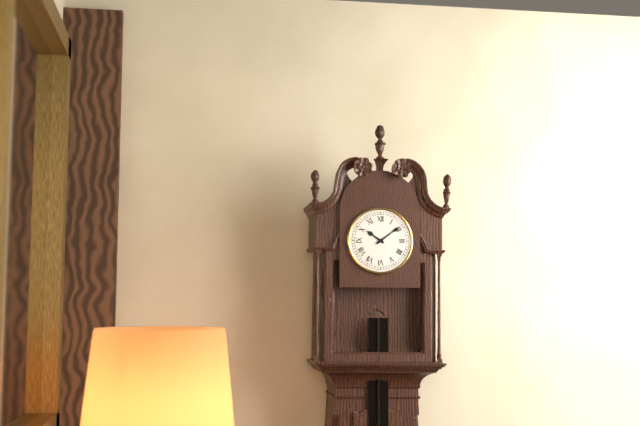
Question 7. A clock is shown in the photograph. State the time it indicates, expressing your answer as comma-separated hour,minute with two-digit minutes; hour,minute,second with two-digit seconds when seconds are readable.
10,09
